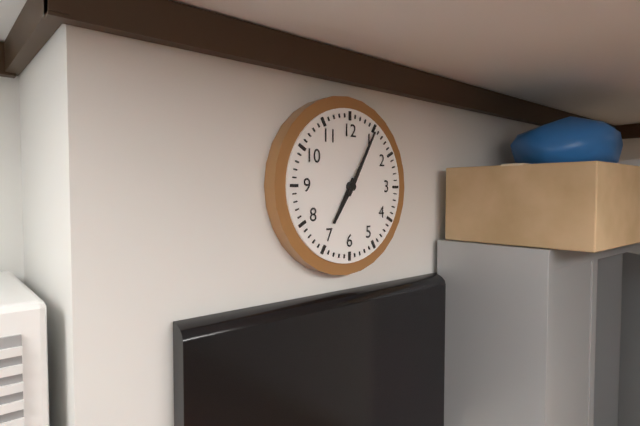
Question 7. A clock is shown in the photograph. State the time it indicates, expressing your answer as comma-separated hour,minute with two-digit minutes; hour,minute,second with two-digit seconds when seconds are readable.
7,05
